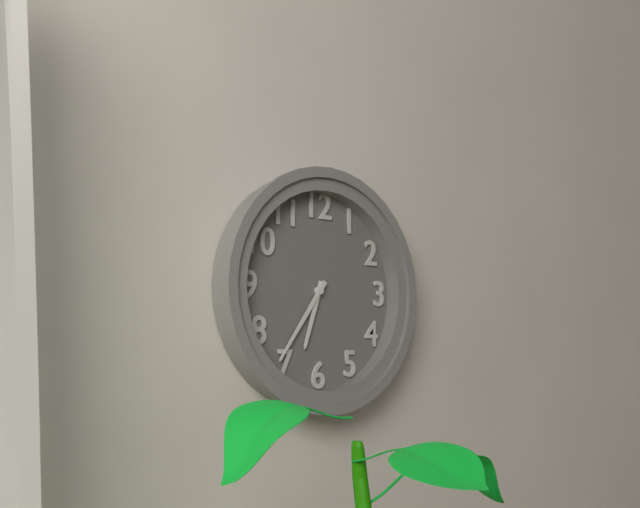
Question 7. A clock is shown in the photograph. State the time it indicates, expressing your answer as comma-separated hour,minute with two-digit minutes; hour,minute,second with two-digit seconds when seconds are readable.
6,36
